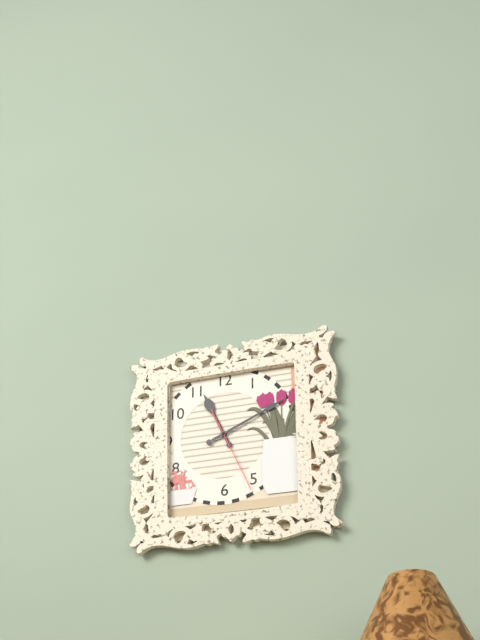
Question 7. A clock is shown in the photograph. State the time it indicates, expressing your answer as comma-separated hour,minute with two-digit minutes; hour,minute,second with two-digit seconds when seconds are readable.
11,11,26
